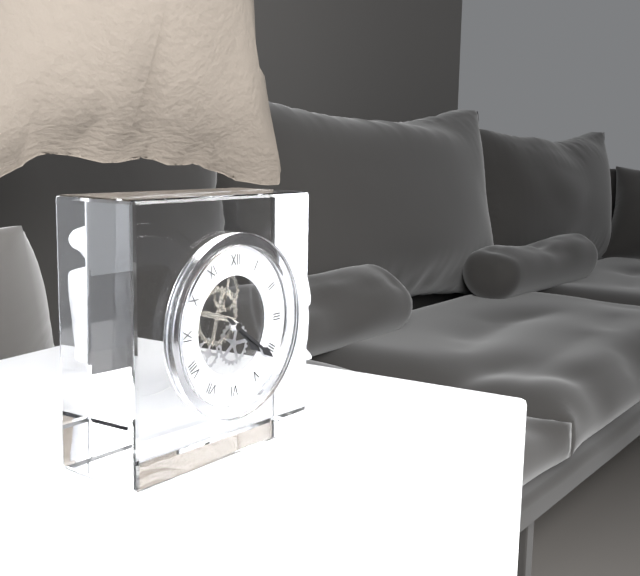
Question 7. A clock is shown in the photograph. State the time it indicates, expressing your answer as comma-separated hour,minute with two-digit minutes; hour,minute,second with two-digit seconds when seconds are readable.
4,21
